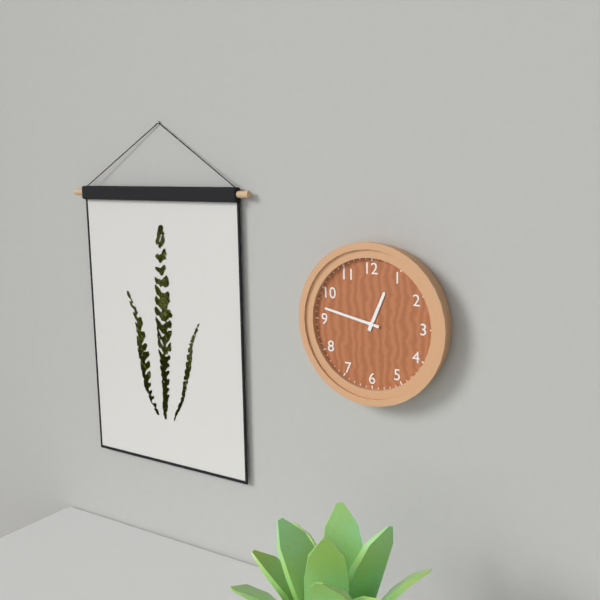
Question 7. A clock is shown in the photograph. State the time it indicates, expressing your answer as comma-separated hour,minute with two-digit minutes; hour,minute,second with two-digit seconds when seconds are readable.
12,47
